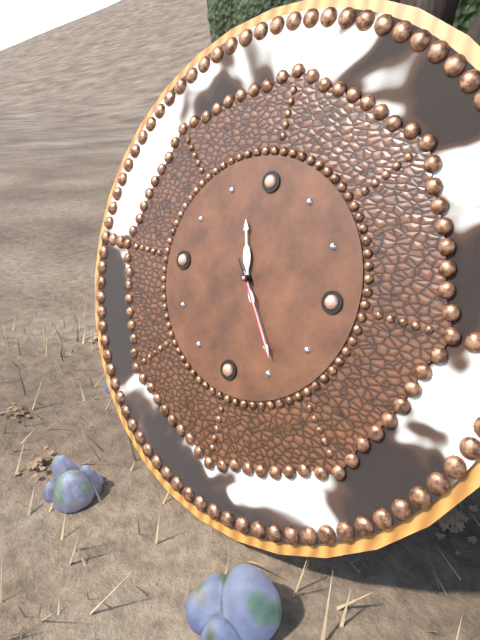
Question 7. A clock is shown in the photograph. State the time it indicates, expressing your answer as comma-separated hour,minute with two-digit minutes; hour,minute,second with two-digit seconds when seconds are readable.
11,24,24
